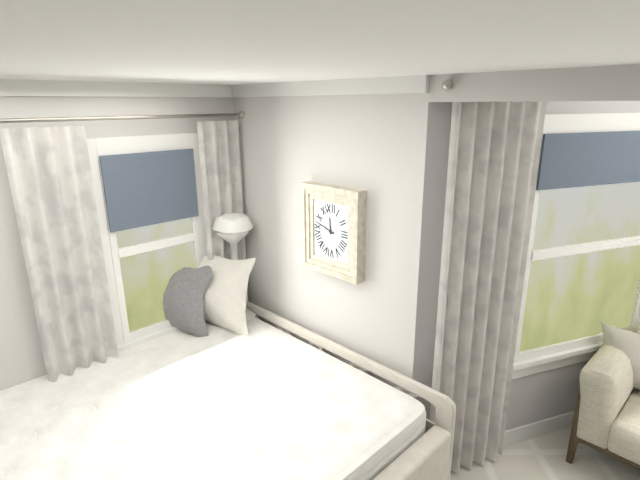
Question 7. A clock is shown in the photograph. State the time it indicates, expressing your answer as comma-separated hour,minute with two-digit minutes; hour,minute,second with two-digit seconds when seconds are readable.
11,48
